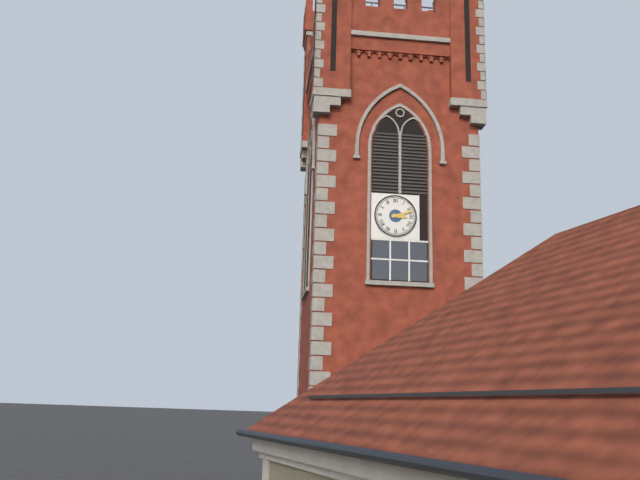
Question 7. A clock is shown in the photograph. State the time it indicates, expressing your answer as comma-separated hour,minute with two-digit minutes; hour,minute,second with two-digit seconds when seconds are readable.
3,12
